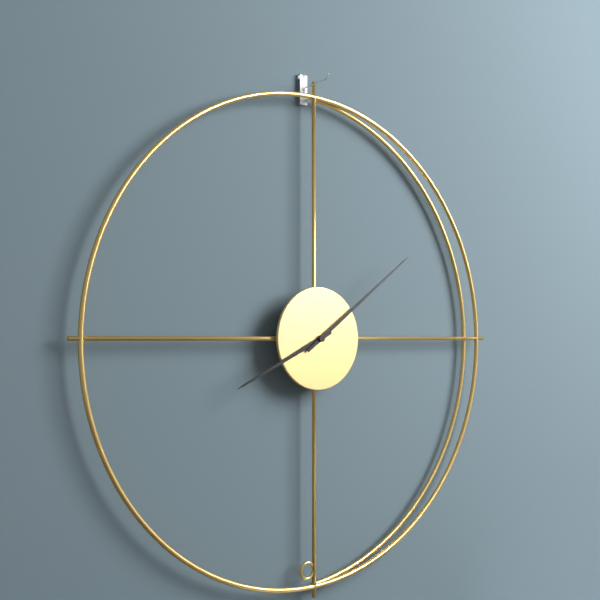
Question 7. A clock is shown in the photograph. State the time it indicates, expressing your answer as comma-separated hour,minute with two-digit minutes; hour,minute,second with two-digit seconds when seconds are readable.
8,09
